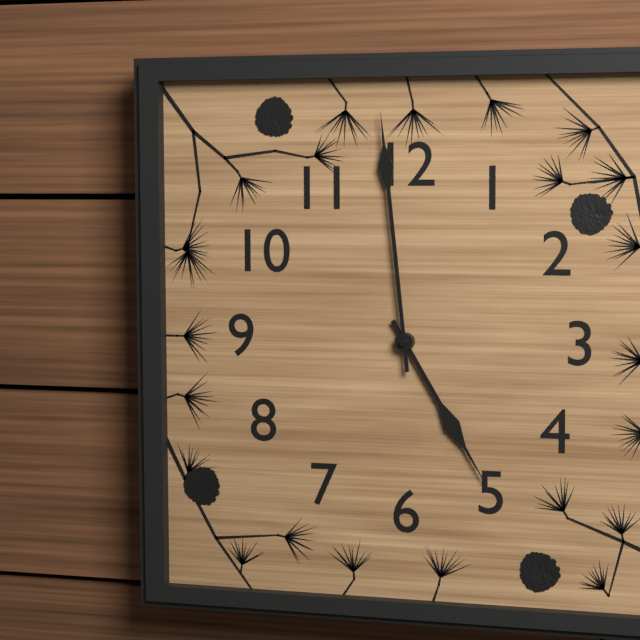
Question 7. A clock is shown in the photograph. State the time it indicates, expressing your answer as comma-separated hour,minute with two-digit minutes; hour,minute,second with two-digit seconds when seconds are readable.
4,59
